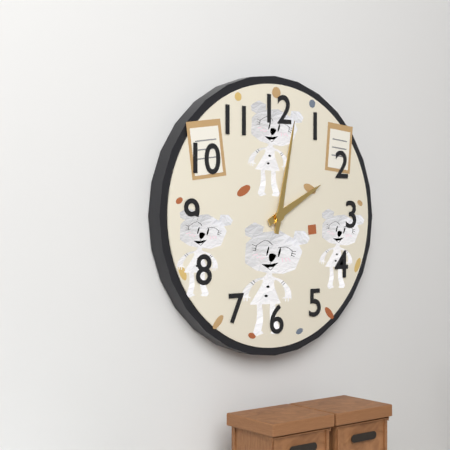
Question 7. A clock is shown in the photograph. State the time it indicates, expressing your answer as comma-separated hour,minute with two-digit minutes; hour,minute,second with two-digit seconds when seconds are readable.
2,02
